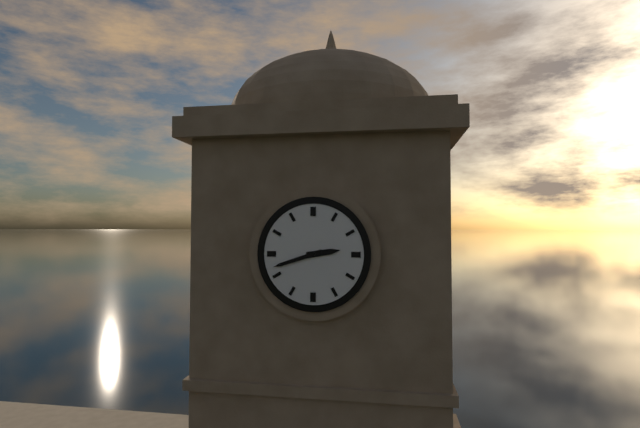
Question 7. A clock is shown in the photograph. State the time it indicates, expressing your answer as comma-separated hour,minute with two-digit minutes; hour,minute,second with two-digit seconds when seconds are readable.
2,42
